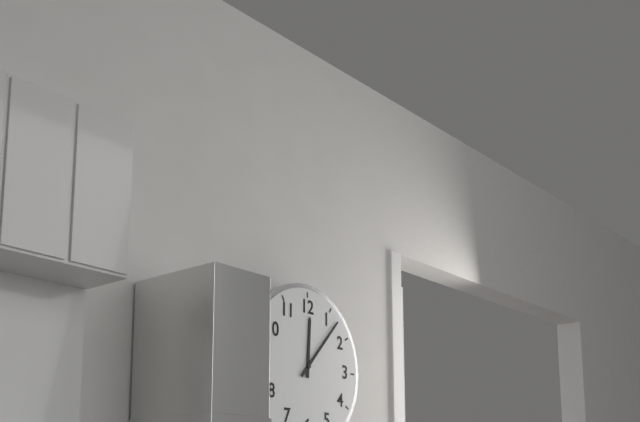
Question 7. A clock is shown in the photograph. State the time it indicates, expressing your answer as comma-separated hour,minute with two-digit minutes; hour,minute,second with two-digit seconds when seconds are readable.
12,07
